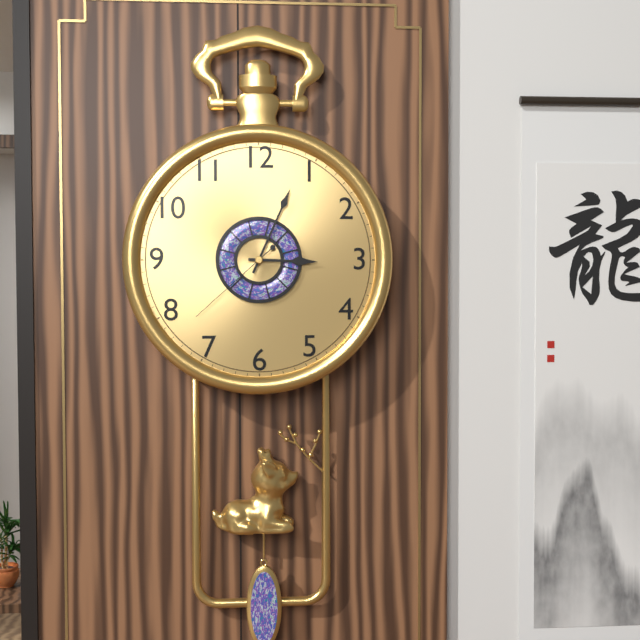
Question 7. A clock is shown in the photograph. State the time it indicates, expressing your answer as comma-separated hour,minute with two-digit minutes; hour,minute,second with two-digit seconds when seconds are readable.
3,04,38
